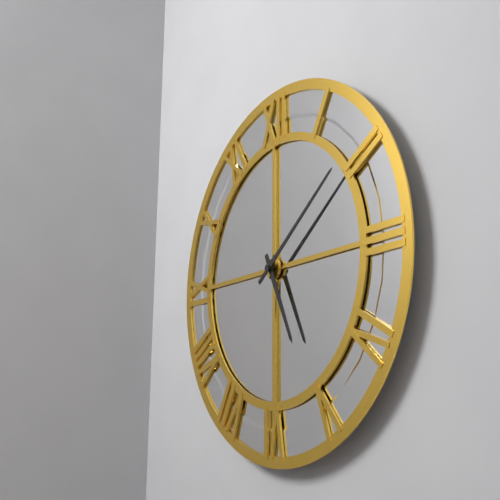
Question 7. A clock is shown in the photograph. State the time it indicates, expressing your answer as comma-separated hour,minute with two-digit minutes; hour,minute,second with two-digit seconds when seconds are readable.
5,09
